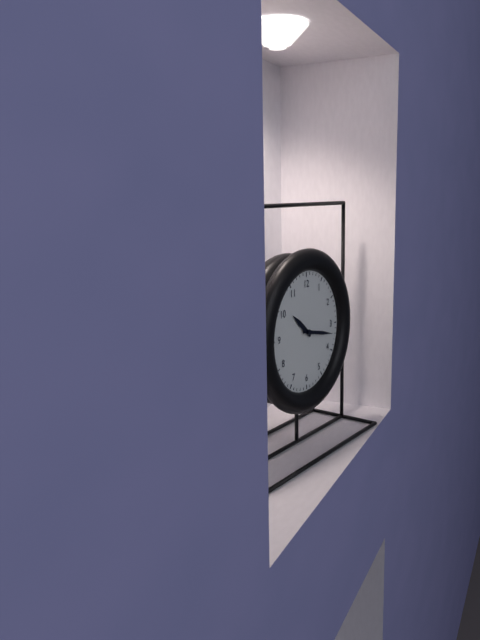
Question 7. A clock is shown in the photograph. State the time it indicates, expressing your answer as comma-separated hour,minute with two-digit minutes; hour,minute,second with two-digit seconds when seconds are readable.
10,17
